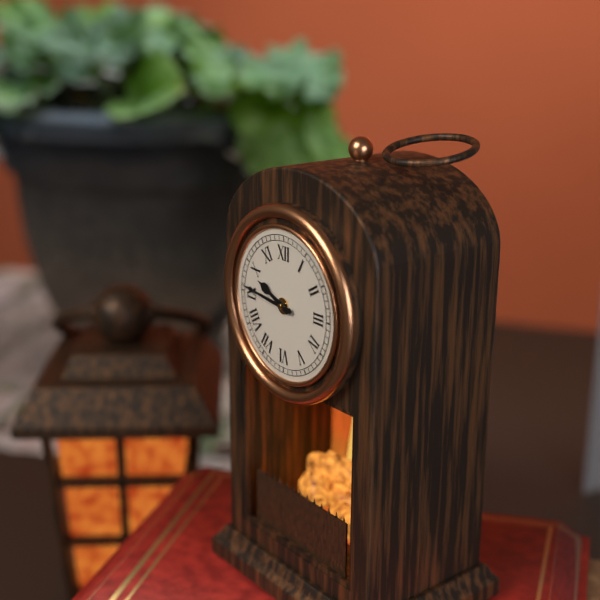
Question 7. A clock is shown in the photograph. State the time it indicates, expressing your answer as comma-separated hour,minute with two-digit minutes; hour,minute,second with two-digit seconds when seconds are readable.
9,46
